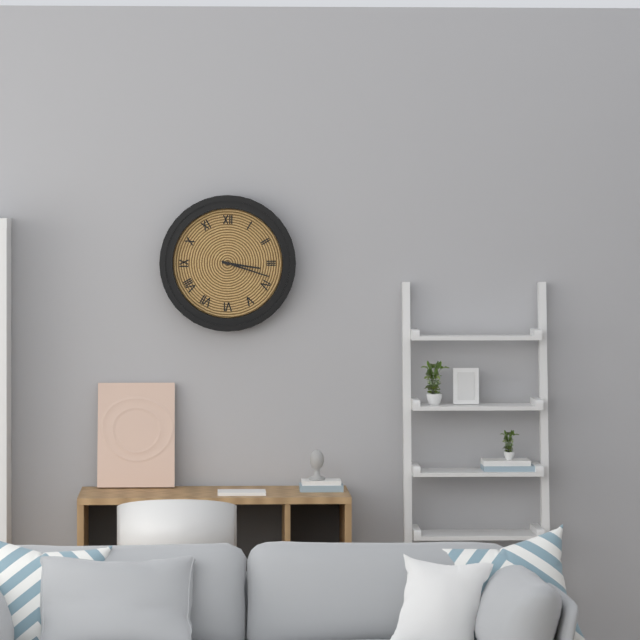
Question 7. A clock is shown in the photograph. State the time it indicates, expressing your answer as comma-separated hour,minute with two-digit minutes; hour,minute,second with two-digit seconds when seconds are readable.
3,18
